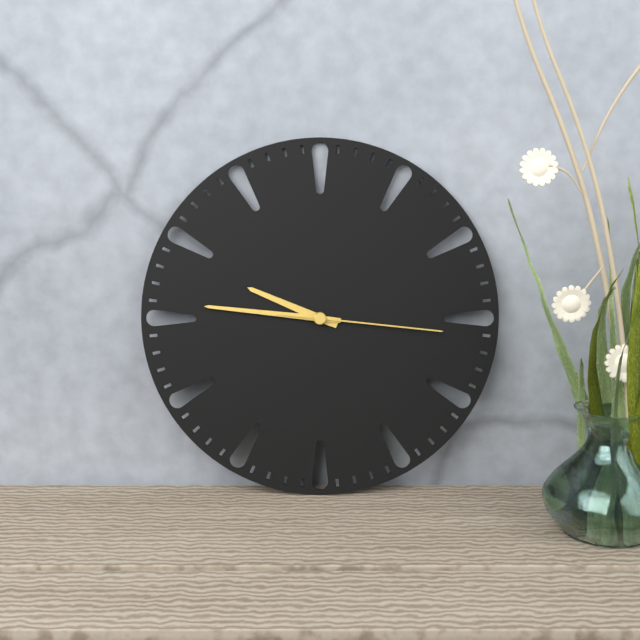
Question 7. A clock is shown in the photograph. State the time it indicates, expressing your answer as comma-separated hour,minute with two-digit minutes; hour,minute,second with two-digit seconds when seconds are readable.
9,46,16
